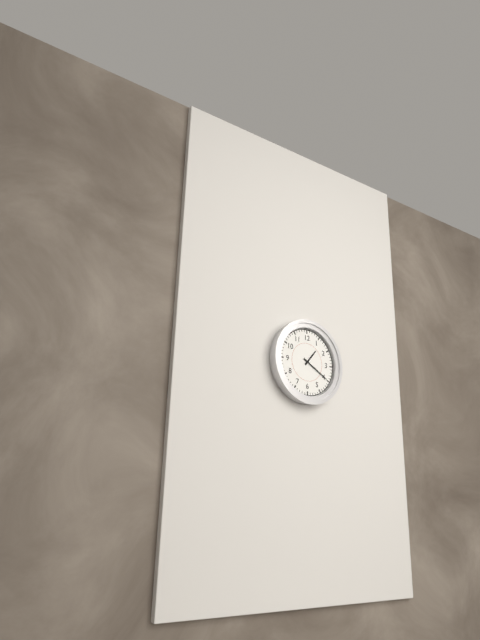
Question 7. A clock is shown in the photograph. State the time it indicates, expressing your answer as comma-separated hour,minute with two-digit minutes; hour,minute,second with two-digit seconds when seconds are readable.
1,20
